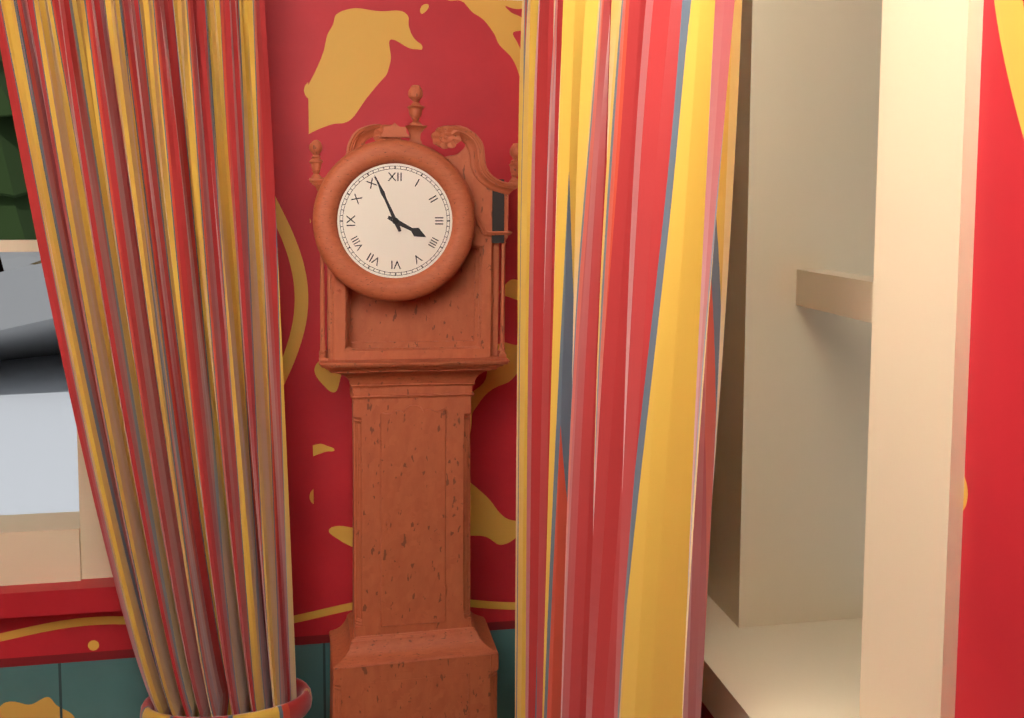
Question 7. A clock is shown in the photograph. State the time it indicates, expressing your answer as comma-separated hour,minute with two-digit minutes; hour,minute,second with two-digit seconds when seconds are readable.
3,56
